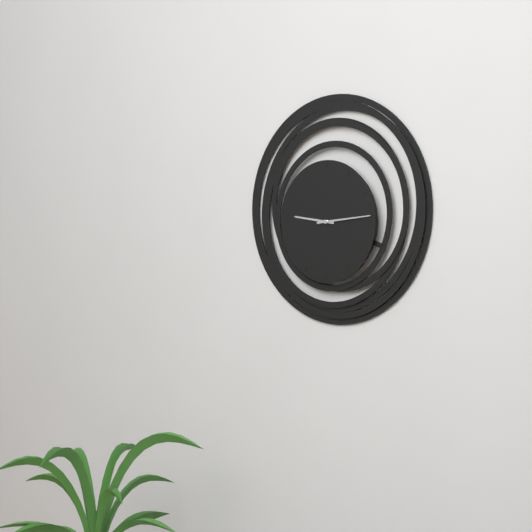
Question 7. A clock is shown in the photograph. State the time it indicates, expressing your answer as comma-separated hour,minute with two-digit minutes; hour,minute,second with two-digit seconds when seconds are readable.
9,14
